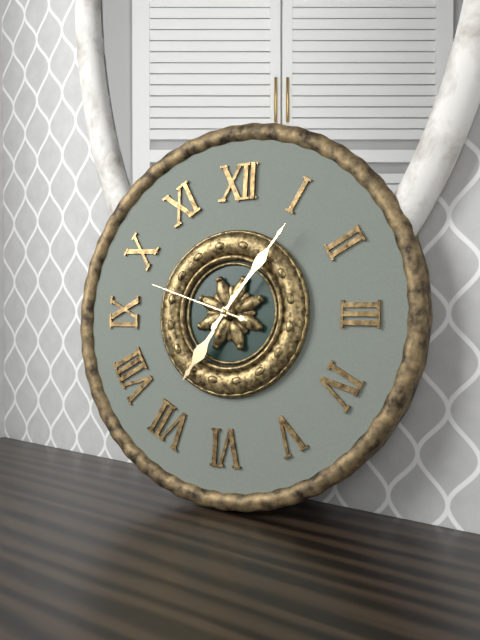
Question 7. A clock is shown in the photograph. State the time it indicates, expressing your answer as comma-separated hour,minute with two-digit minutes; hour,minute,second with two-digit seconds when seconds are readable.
7,06,48
